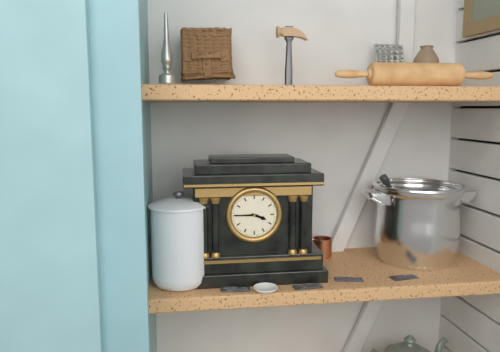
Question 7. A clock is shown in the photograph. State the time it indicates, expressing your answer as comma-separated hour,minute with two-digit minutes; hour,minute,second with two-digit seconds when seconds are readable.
3,45
